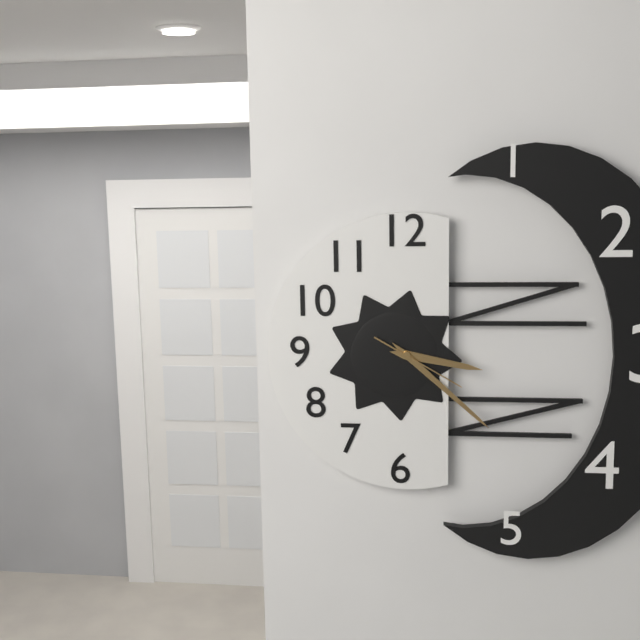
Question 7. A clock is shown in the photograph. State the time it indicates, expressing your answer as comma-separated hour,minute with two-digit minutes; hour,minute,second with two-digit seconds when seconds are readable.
3,22,20
